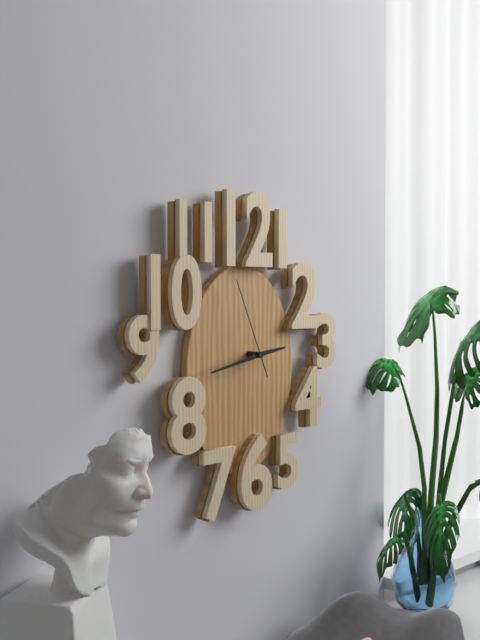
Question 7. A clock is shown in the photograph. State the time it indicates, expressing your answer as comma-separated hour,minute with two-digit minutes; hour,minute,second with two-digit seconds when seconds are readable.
2,43,56
